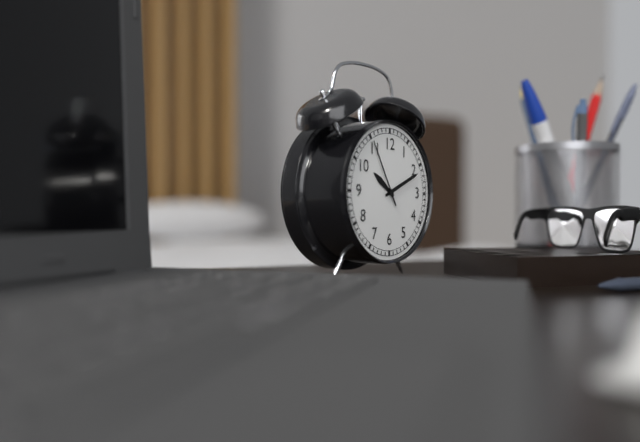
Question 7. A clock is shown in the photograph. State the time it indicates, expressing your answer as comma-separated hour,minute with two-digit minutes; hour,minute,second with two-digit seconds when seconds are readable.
10,11,55
